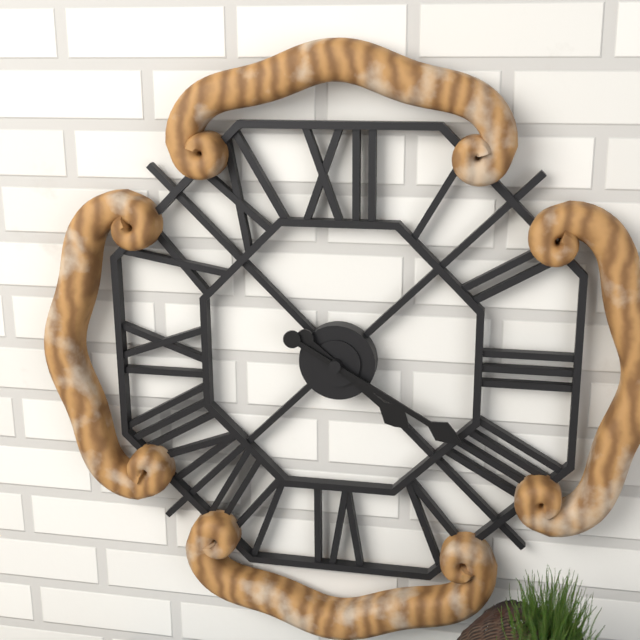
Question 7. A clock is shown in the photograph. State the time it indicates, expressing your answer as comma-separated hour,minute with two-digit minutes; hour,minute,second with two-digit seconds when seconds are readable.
4,20
